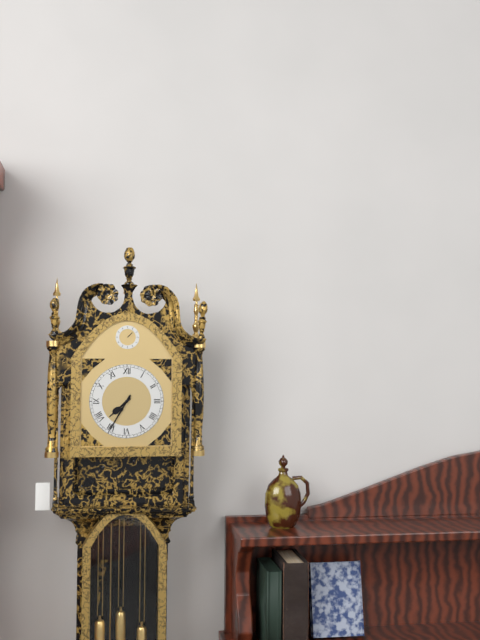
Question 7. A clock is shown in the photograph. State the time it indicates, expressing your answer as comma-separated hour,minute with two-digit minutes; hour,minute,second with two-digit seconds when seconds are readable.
7,35
